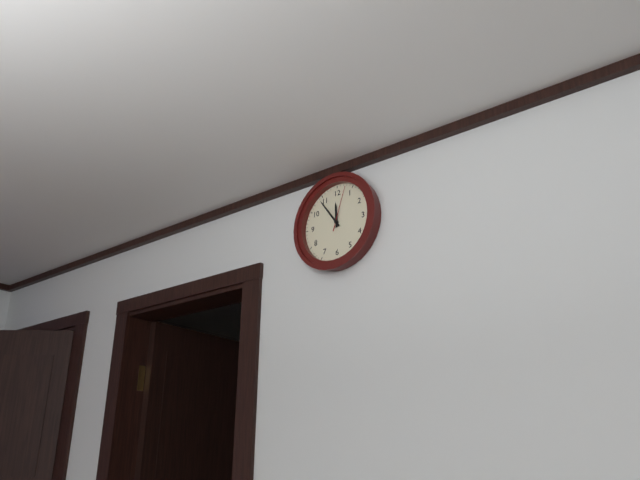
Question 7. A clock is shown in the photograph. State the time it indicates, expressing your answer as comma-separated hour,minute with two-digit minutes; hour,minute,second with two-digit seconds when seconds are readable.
11,54
